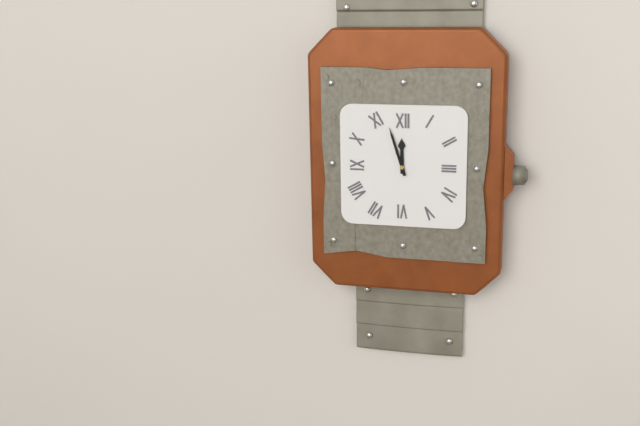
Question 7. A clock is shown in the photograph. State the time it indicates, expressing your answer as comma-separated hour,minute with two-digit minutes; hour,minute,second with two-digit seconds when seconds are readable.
11,57
